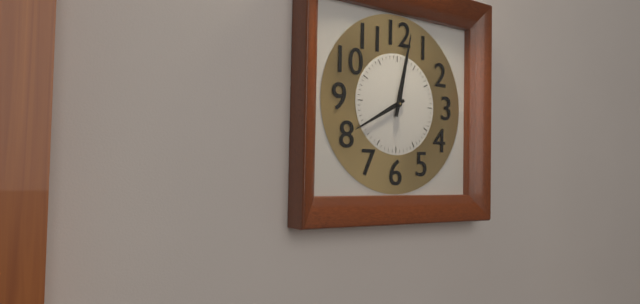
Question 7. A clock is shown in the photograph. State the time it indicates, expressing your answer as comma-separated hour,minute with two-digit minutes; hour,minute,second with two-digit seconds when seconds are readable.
8,02
